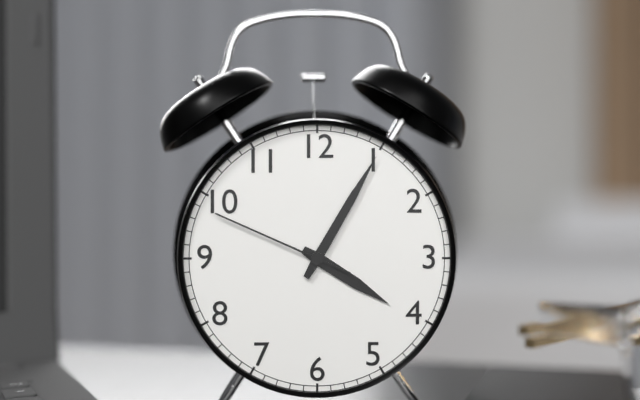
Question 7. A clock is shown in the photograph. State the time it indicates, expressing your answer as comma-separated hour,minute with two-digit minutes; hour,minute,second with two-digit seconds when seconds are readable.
4,05,49
